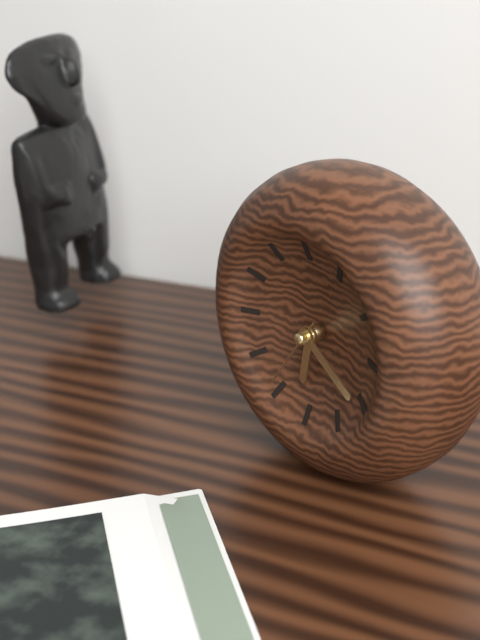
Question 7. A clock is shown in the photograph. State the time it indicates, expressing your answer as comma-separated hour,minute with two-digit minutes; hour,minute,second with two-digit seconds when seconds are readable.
6,21,36
